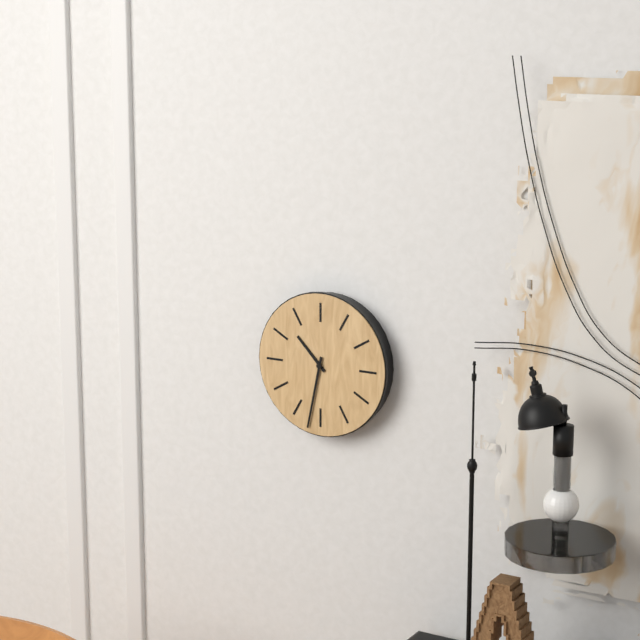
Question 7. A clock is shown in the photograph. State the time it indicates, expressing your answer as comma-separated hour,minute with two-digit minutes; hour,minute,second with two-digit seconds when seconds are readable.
10,32
